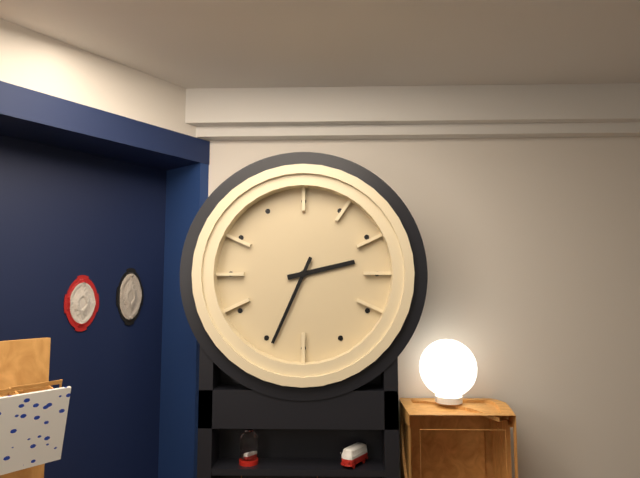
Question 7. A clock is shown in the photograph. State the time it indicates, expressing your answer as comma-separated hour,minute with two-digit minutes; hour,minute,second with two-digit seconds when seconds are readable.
2,34
